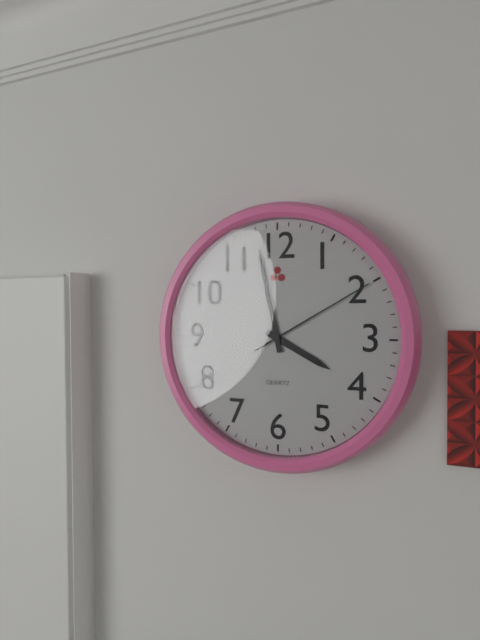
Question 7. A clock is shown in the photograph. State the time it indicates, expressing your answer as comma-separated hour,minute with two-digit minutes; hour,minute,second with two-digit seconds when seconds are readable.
3,58,10
